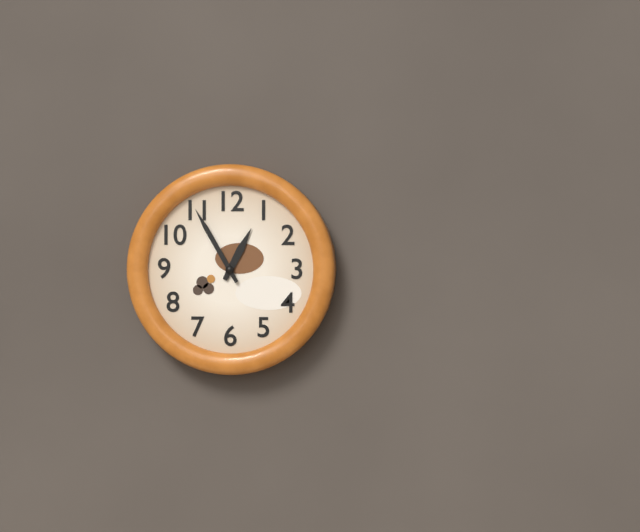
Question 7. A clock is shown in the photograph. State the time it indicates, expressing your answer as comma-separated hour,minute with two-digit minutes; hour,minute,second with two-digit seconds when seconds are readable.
12,55
